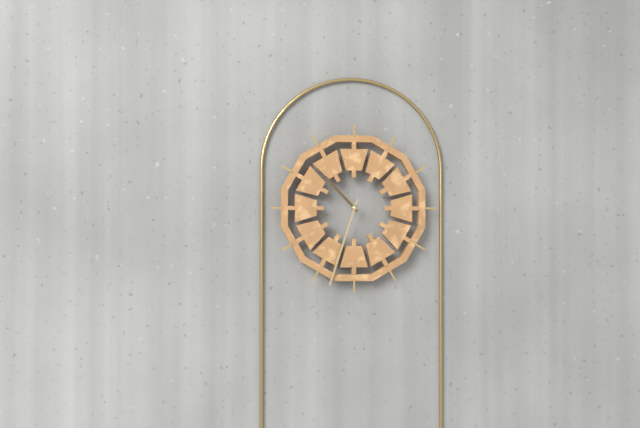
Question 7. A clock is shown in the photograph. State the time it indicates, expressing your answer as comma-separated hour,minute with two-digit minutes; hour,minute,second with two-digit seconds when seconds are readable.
10,33
